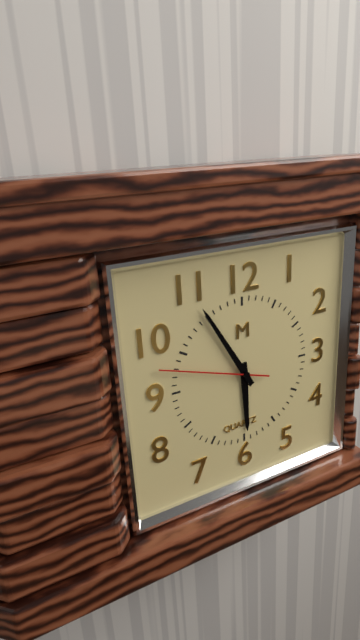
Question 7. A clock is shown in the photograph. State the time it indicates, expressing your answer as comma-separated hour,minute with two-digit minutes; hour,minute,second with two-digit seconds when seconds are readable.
5,55,48
